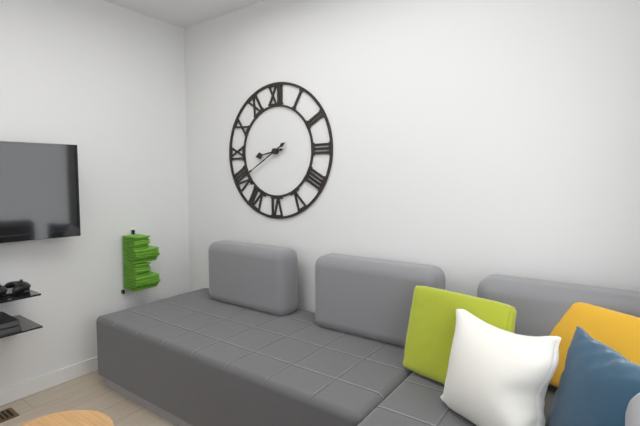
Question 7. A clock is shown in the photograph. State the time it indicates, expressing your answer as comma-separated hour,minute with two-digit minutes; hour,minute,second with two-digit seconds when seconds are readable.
8,40
